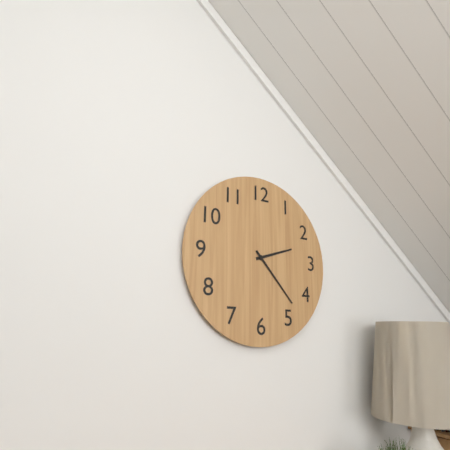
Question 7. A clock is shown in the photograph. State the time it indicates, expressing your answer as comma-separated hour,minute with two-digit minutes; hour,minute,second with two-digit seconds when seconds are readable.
2,23
